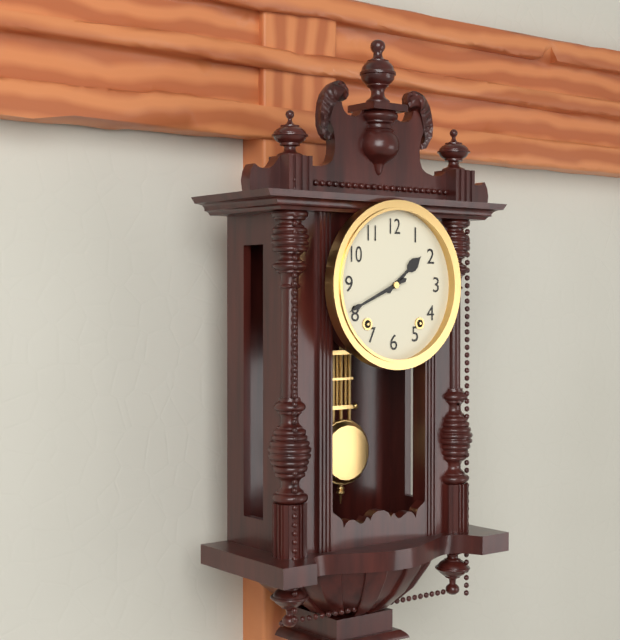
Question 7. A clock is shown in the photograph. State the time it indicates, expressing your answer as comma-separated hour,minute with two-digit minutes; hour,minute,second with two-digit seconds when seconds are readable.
1,41
